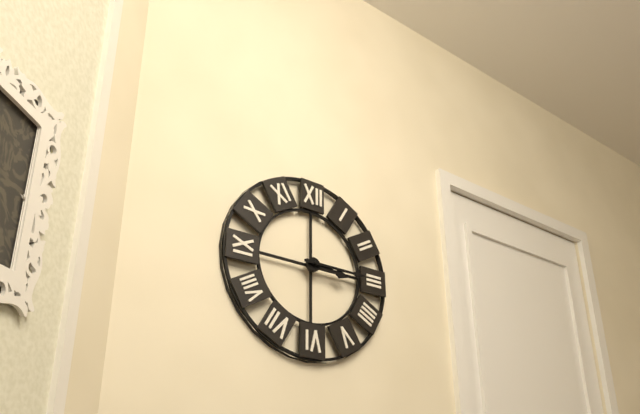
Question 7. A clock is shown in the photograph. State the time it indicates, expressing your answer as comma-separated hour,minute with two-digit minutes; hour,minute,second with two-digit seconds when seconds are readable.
3,15
